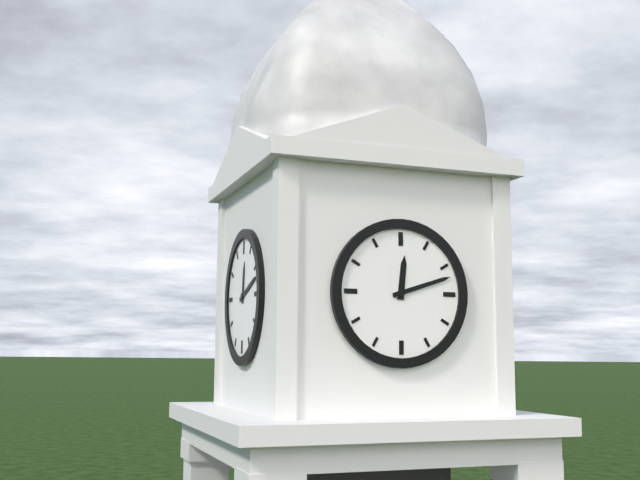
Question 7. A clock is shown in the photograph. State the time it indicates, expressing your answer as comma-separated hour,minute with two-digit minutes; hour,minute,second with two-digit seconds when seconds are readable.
12,12
